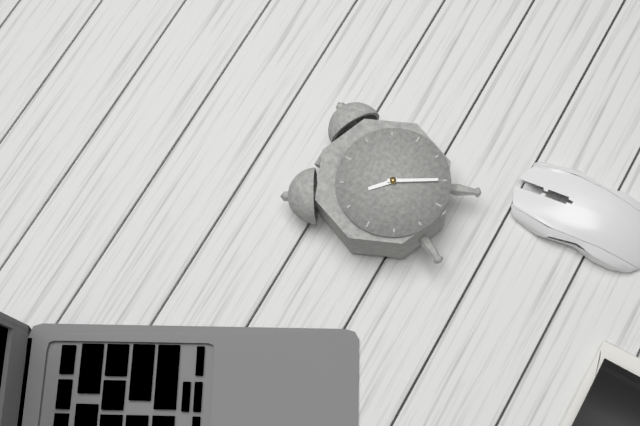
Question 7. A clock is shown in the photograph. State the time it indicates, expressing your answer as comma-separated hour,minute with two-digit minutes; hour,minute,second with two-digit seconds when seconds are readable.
10,25
